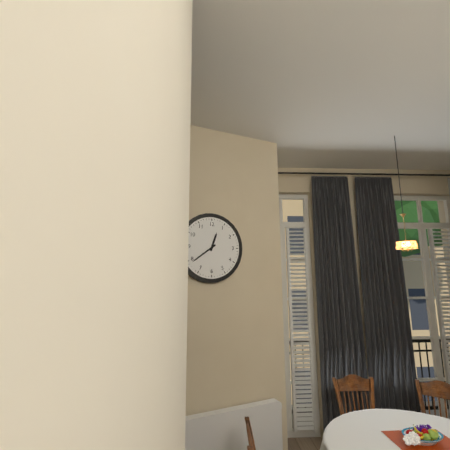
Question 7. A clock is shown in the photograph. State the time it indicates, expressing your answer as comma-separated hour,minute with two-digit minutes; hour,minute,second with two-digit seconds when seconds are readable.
12,39
